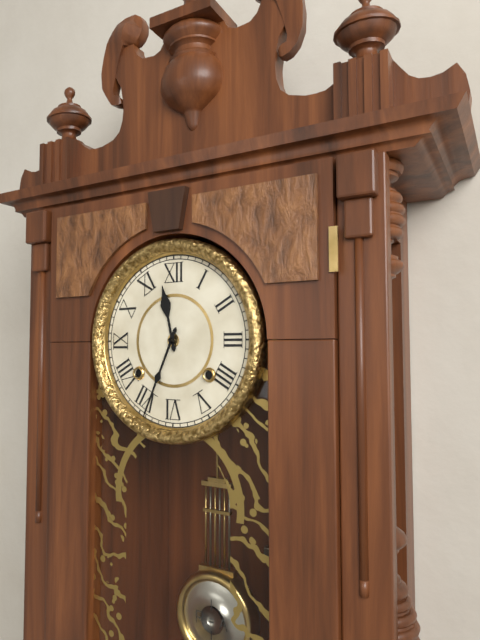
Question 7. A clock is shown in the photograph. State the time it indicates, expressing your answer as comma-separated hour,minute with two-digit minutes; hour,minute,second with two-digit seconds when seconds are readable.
11,34
